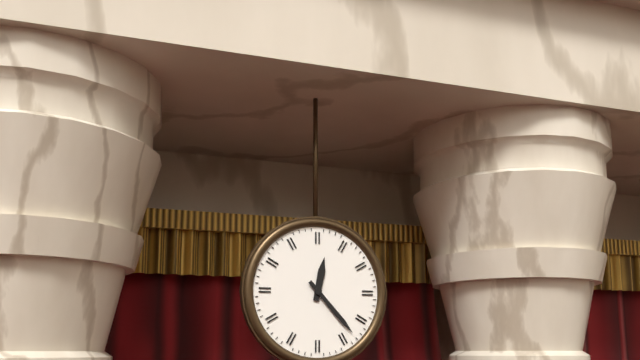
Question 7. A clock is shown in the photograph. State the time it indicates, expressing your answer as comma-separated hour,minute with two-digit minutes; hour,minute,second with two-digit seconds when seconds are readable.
12,23
